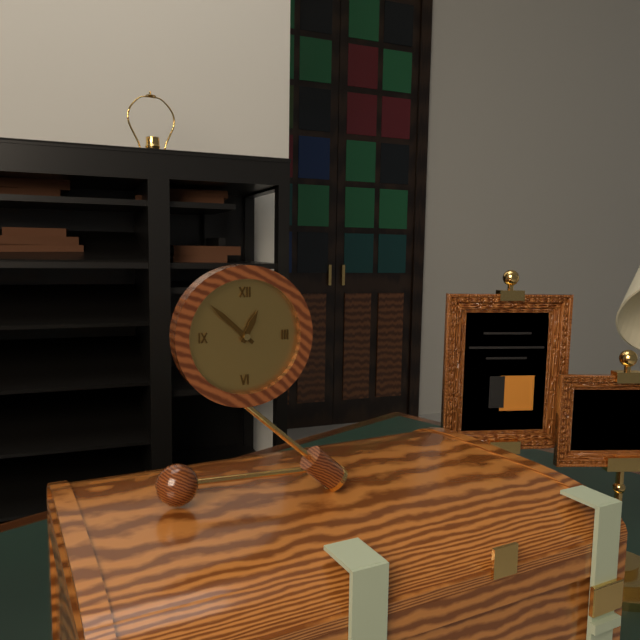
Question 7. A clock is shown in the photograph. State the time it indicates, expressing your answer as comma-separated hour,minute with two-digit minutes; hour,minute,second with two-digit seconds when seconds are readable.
12,52
